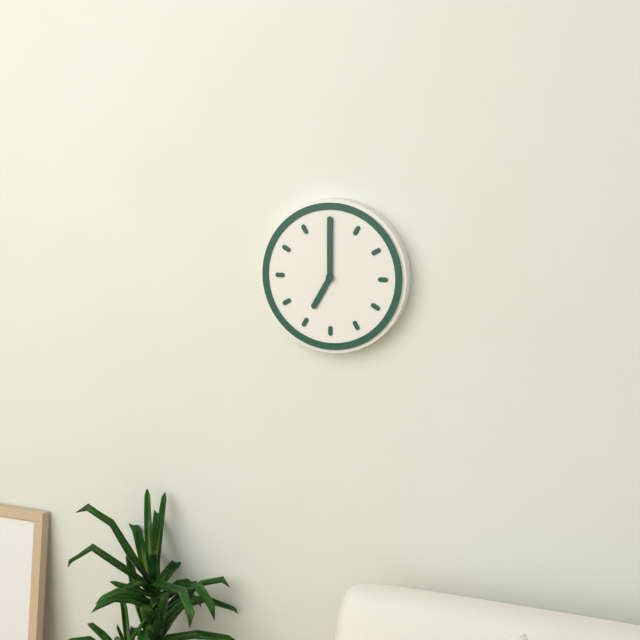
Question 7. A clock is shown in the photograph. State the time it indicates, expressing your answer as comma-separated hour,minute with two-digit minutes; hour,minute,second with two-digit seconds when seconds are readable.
7,00
